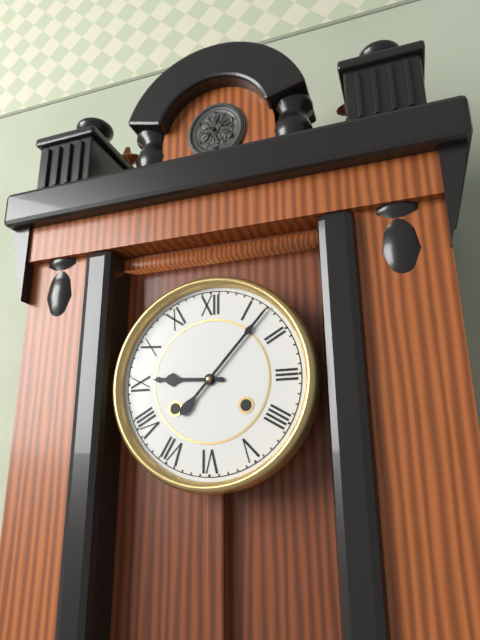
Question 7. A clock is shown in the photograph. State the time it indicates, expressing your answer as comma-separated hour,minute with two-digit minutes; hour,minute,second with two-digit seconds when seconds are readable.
9,07
